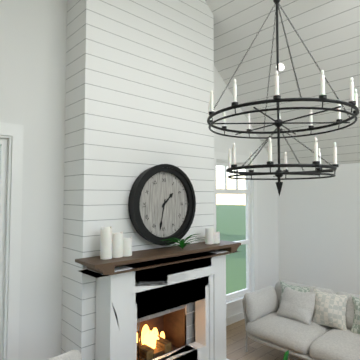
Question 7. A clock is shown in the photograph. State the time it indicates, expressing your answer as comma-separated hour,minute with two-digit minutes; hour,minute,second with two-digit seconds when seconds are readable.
1,32
